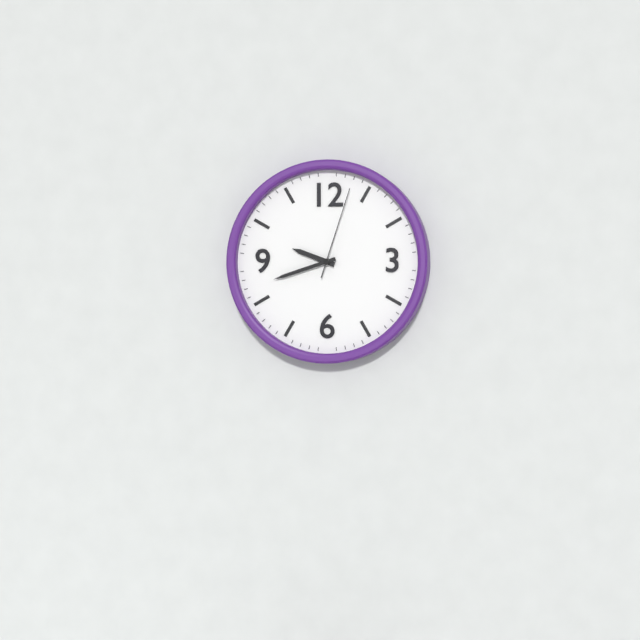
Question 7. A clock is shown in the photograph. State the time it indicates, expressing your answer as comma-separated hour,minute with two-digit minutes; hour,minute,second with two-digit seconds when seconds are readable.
9,42,03
